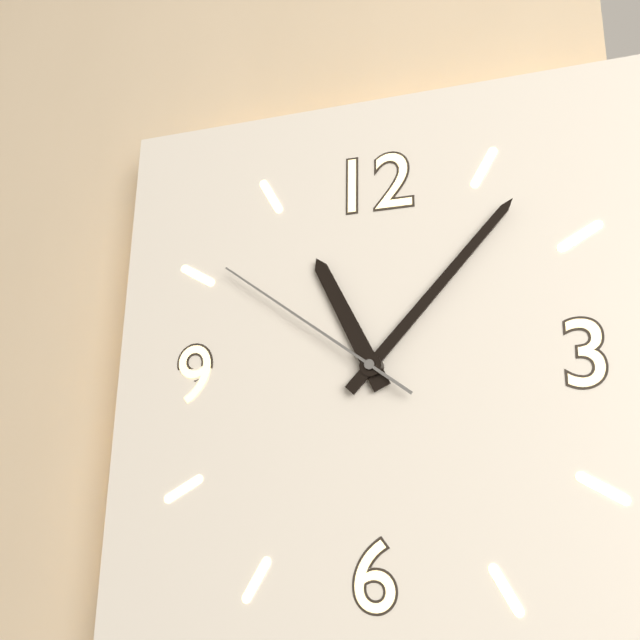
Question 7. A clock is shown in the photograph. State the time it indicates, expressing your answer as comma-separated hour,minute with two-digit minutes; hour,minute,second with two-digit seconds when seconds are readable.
11,07,51
